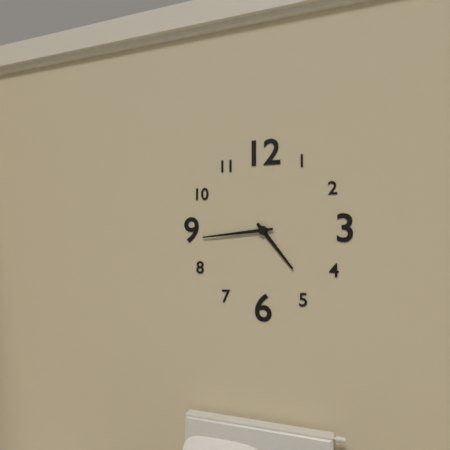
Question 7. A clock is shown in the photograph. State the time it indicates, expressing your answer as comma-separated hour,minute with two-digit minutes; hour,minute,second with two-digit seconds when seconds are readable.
4,44
